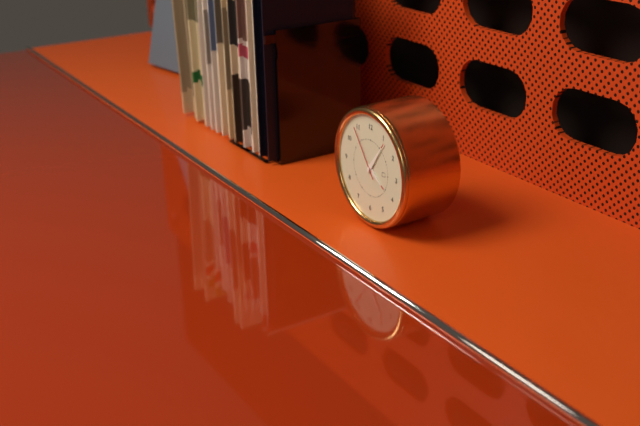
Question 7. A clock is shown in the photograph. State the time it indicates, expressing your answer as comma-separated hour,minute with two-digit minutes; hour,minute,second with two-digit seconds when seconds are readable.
4,06,54
